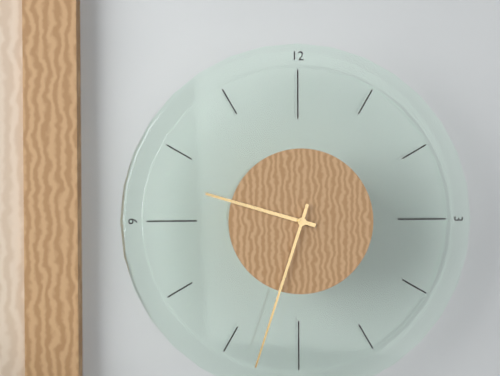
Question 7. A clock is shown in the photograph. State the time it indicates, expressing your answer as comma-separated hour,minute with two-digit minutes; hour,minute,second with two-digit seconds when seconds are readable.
9,33
